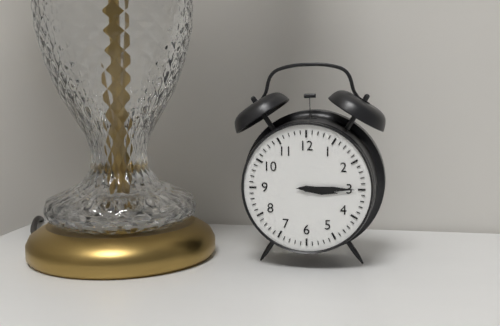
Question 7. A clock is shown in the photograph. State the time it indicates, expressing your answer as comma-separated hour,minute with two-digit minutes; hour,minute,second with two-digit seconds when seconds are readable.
3,15
